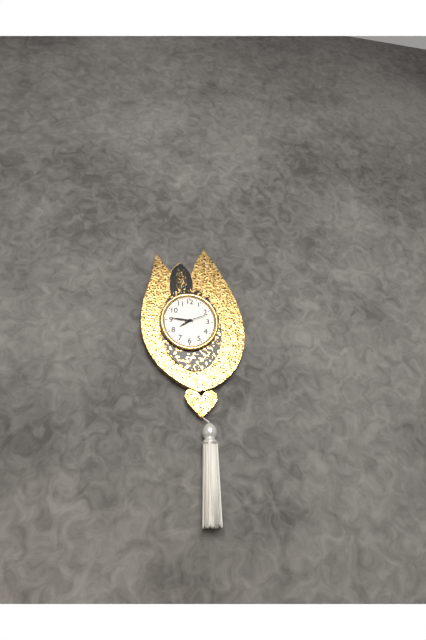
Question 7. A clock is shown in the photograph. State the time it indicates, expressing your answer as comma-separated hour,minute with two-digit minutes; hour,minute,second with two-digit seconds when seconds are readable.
7,46
